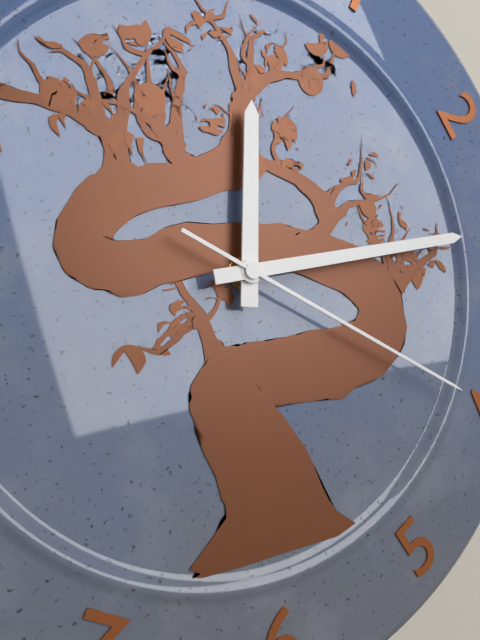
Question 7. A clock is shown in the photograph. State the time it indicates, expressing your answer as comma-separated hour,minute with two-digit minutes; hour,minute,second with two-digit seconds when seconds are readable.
12,14,20
